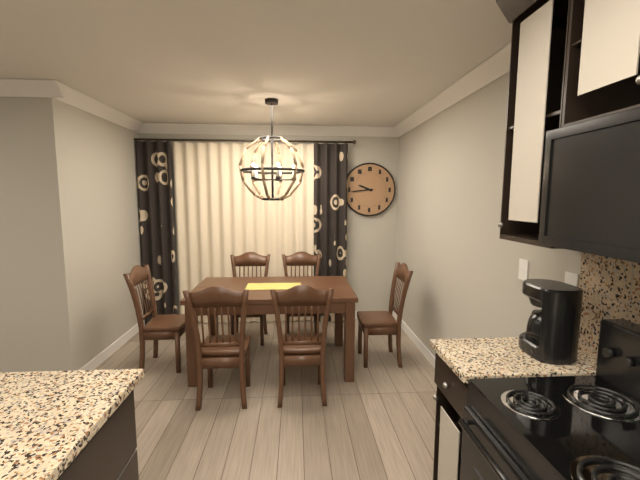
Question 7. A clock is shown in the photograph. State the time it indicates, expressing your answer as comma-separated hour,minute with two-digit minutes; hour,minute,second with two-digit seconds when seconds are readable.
9,44
